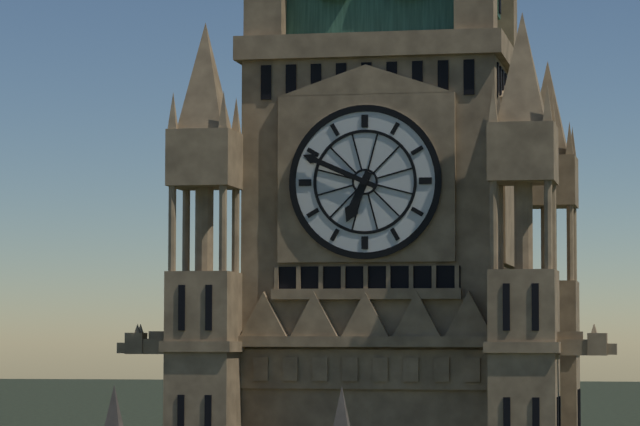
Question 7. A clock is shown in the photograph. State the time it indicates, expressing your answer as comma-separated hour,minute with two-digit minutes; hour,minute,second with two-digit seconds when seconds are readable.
6,49
